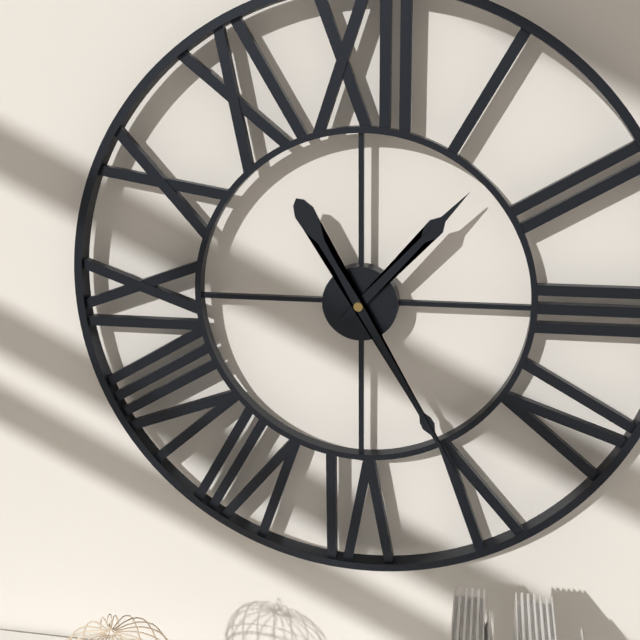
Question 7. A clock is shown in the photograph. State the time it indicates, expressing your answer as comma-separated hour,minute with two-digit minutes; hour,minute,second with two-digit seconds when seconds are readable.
1,25
